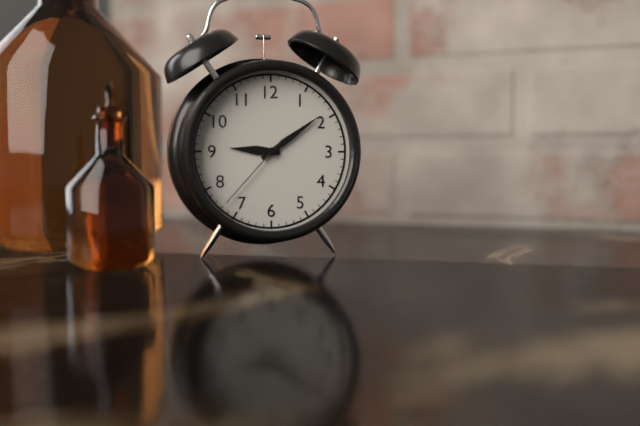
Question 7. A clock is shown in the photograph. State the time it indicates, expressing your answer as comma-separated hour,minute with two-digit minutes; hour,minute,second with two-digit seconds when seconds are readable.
9,09,37
